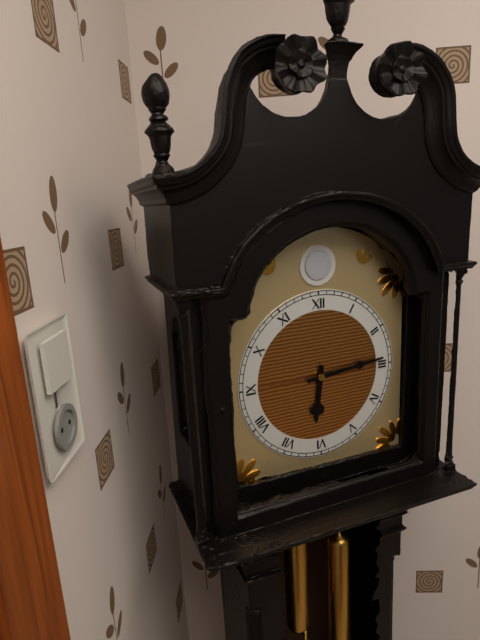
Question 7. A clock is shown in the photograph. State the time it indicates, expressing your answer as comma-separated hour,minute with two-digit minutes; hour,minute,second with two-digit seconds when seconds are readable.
6,14
